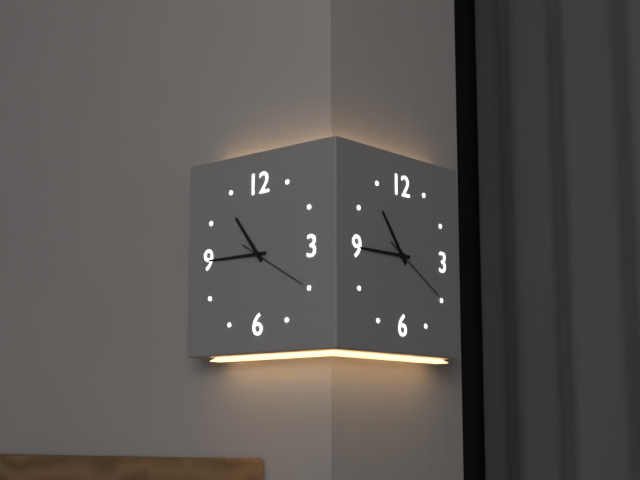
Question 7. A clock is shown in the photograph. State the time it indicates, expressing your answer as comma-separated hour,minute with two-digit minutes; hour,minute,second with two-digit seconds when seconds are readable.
10,45,20
